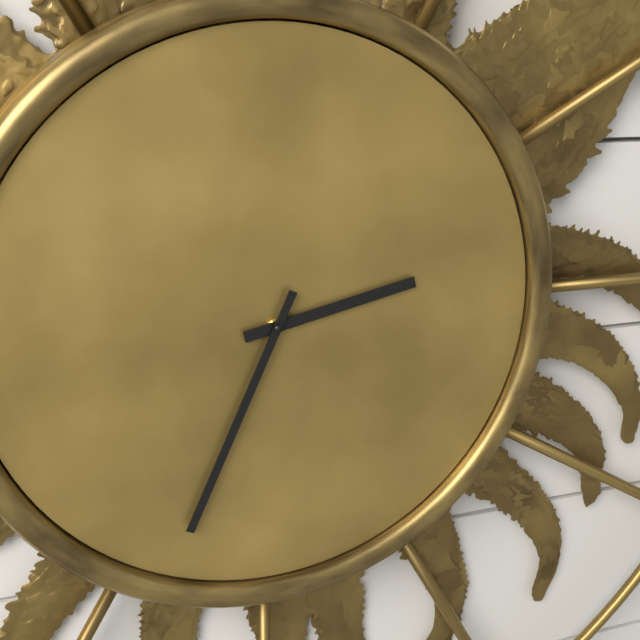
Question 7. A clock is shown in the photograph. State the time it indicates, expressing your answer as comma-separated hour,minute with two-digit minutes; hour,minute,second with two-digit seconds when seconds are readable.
2,34
